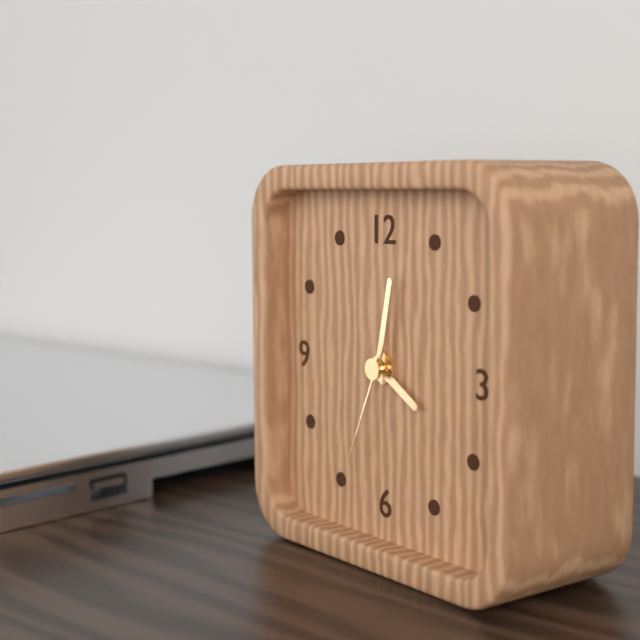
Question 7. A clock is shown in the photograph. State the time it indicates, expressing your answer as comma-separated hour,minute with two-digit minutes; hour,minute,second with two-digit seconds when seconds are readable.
4,02,34
